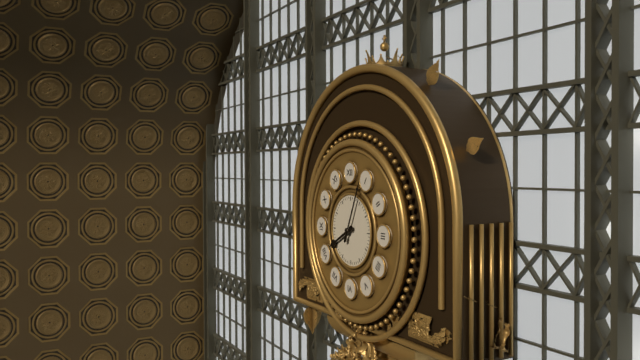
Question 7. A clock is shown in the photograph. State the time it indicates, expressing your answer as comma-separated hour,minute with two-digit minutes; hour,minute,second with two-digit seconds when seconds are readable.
8,04
